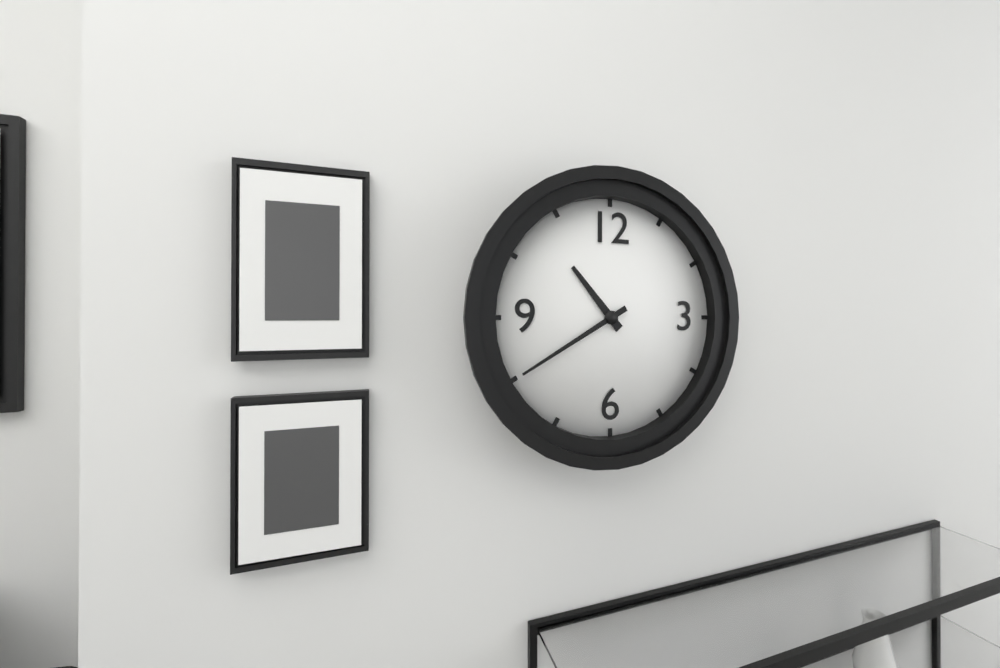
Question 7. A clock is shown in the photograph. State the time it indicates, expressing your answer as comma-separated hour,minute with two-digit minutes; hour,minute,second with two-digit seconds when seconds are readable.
10,40
